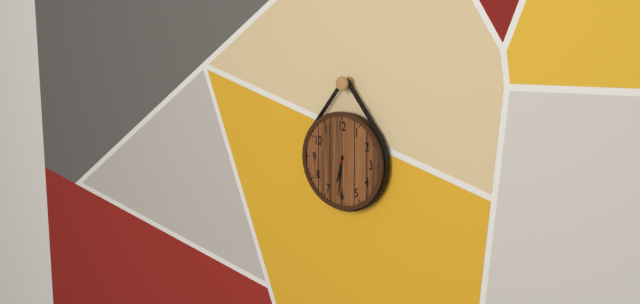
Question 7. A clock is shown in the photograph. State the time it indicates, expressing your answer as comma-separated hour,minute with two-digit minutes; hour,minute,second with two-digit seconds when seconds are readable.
6,31
